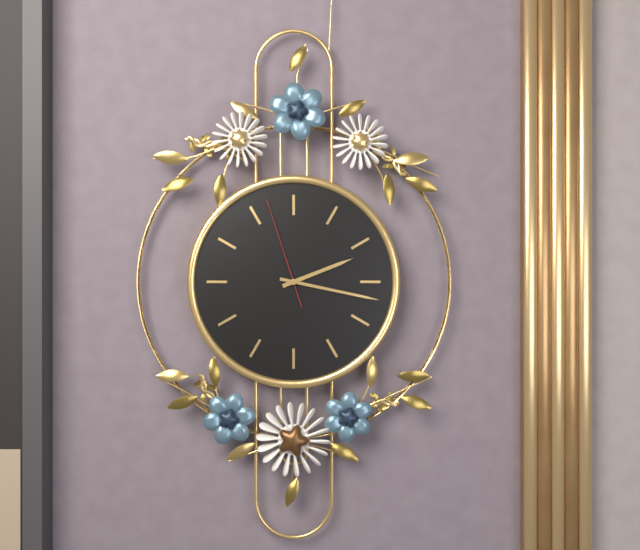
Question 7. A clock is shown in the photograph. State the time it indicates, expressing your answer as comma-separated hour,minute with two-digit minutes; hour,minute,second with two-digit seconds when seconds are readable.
2,17,57
